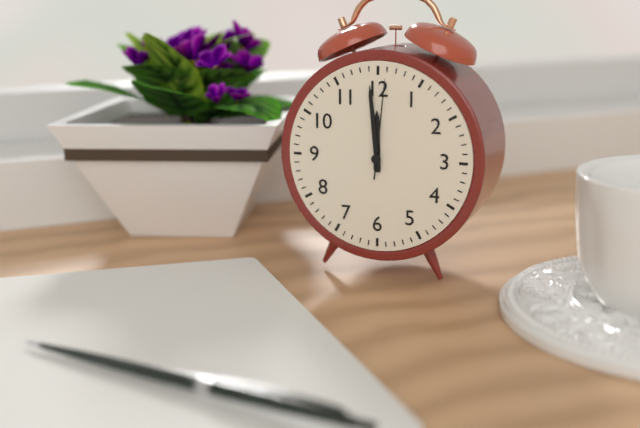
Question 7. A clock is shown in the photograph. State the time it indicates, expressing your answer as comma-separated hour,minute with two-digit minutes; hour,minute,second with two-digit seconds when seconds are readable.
11,59,01
